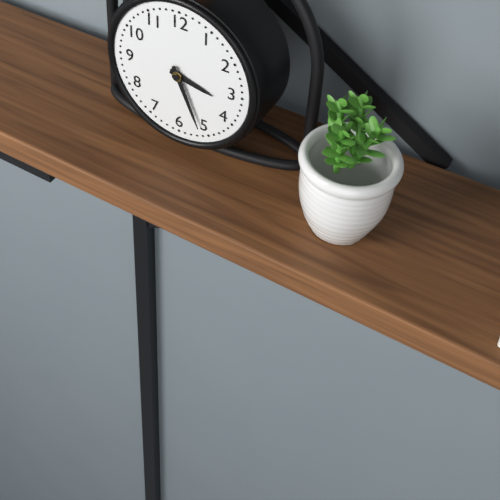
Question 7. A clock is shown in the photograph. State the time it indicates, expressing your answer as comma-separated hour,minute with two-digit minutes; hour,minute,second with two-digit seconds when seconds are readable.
3,26
